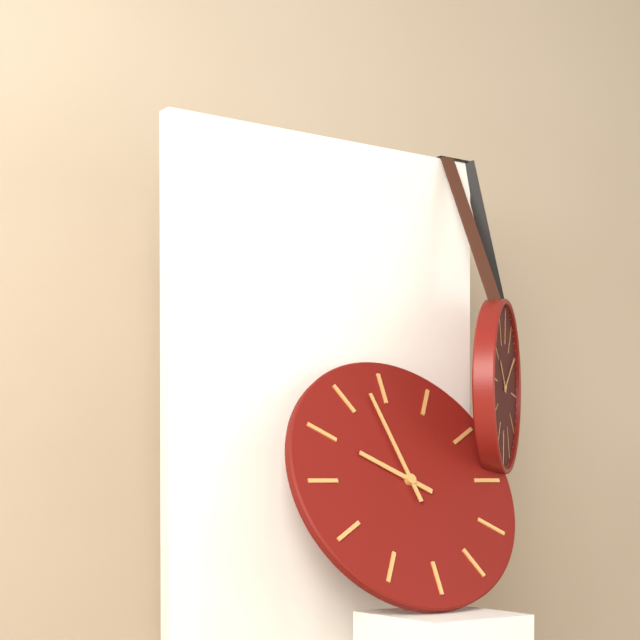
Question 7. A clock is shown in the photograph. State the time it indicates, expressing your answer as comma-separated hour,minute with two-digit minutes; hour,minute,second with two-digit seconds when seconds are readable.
9,58
